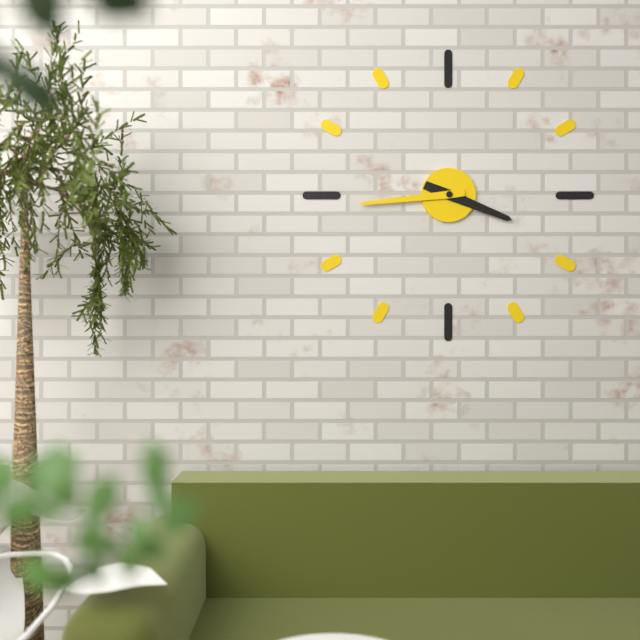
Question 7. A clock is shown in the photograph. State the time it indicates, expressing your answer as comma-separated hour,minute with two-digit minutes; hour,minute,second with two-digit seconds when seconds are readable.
3,44
